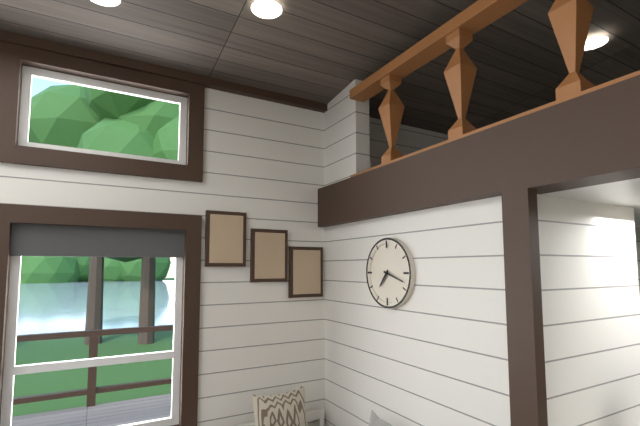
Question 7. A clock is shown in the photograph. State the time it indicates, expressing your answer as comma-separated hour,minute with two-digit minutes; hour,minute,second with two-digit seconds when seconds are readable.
7,18
